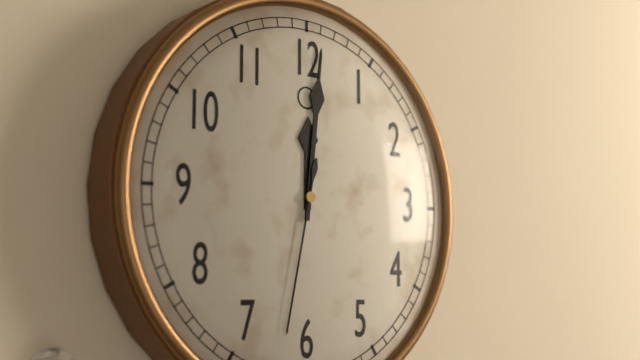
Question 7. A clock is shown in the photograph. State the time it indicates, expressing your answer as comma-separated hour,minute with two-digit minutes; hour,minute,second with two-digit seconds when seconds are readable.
12,01,32
